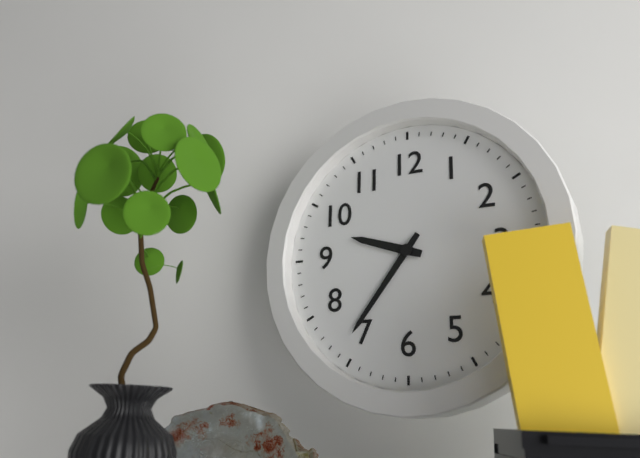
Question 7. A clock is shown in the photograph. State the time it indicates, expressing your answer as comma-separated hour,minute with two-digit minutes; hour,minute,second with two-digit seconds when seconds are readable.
9,36
